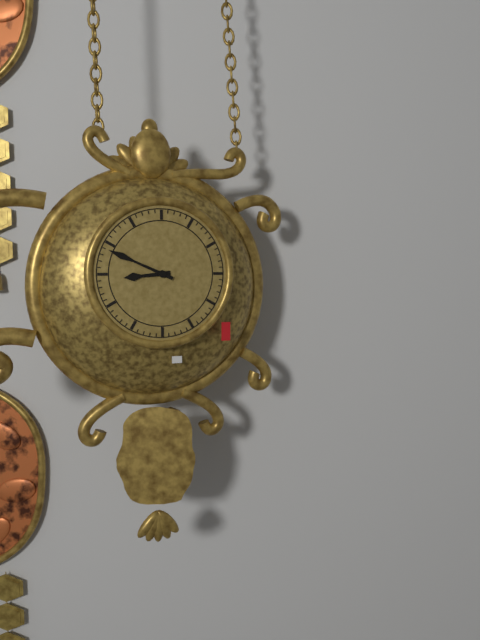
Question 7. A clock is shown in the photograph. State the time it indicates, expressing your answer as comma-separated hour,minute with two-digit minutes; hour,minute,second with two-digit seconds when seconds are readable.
8,49
